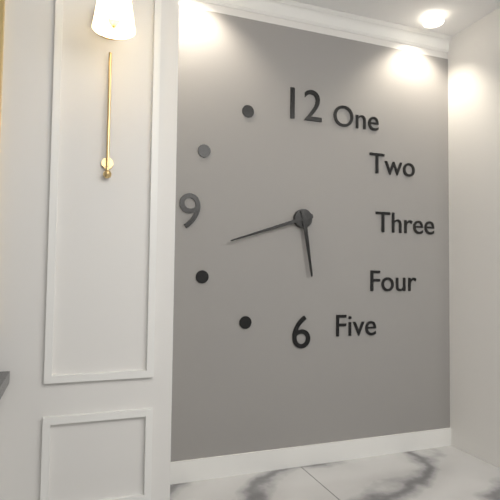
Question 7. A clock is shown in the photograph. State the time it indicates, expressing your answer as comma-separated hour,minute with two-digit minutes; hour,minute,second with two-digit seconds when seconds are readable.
5,42
